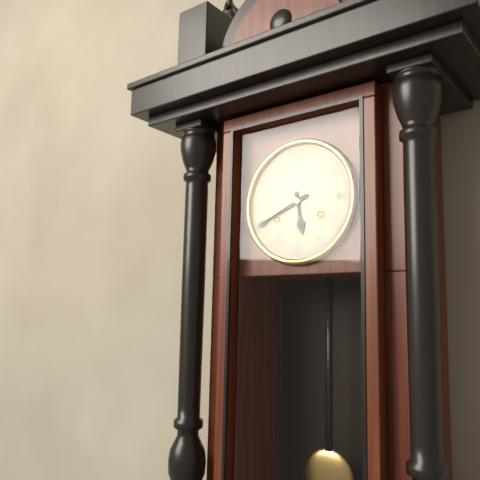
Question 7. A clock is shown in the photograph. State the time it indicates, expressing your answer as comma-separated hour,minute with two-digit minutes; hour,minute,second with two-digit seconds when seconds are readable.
5,41
